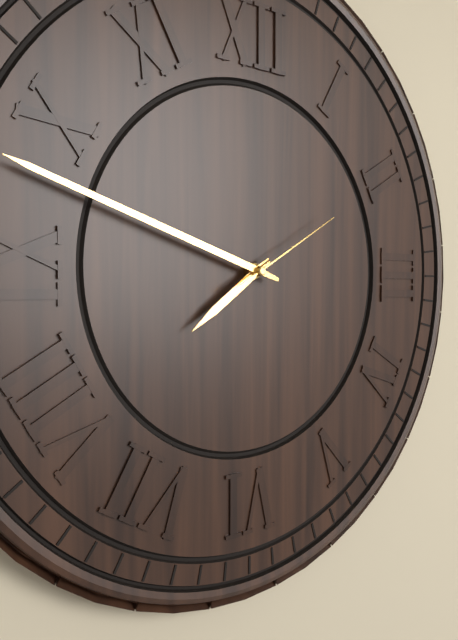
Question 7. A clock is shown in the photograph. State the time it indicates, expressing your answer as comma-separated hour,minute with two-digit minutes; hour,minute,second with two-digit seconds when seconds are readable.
7,48,10
